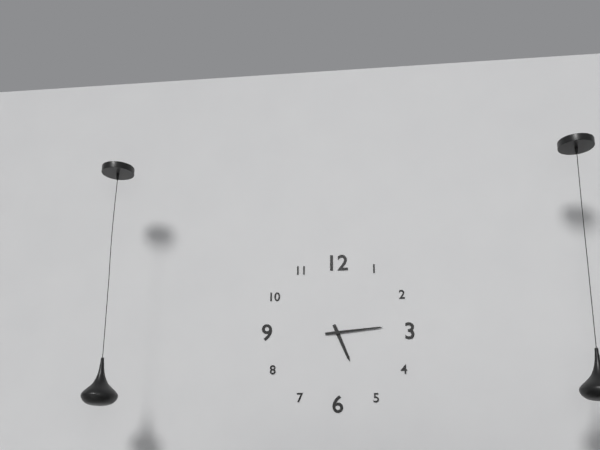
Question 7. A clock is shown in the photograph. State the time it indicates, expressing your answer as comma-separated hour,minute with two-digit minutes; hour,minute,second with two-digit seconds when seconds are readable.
5,14
